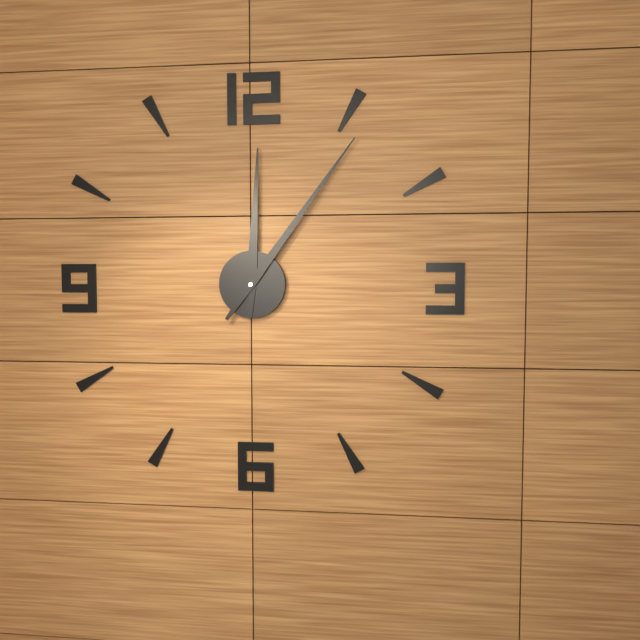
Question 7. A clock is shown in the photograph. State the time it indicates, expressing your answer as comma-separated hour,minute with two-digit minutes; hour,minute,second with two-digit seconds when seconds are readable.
12,06
